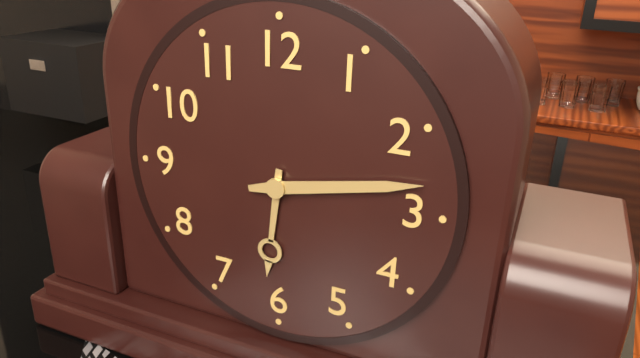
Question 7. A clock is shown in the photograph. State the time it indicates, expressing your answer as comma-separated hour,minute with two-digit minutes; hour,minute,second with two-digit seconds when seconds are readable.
6,13
